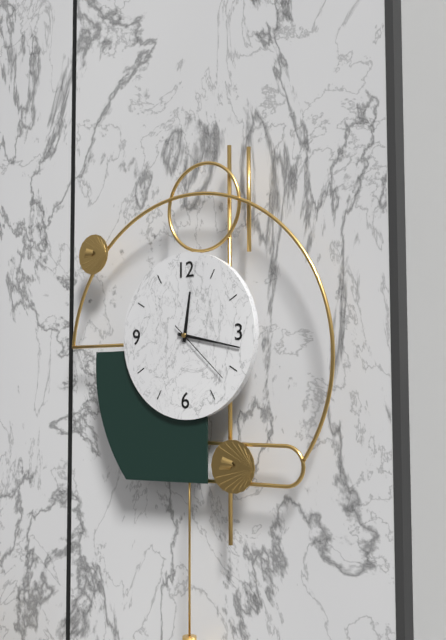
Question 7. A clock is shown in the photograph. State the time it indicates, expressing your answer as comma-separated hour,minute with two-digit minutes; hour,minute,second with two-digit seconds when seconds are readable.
12,17,22
